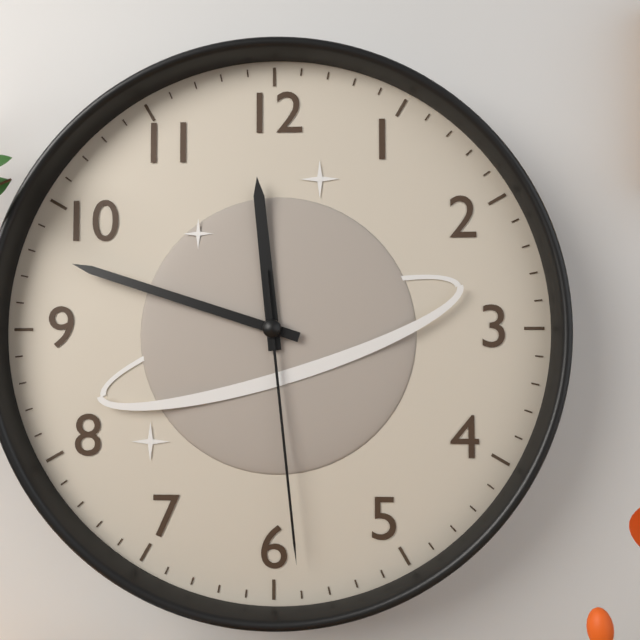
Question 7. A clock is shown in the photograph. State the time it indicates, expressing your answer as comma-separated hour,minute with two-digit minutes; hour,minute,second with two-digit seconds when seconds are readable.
11,48,29
